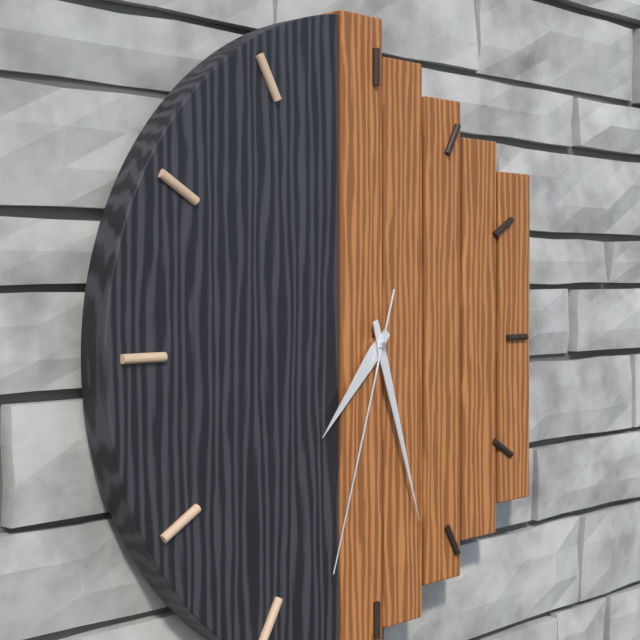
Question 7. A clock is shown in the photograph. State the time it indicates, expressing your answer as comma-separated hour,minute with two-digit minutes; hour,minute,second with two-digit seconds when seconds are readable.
7,27,33
